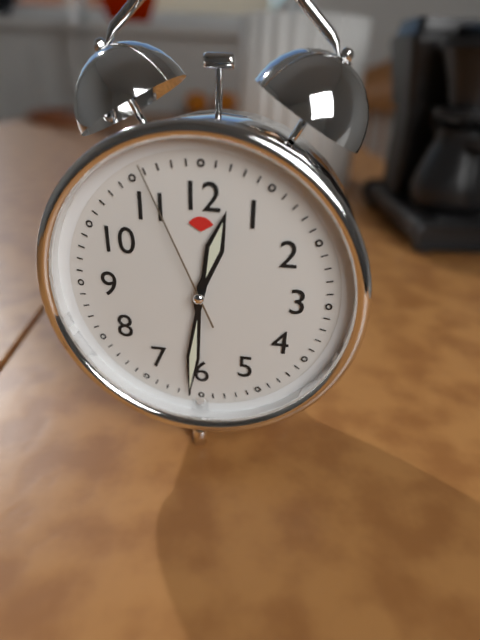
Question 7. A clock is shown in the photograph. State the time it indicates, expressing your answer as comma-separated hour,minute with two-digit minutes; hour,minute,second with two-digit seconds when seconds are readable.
12,31,56
